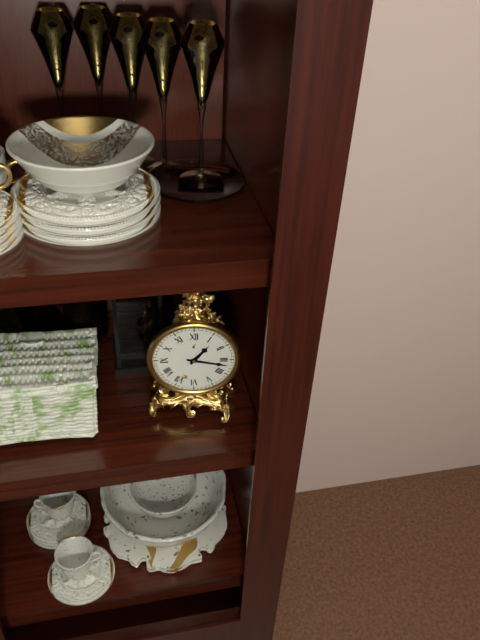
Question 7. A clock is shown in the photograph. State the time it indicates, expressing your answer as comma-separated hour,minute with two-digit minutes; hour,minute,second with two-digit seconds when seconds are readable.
1,17
